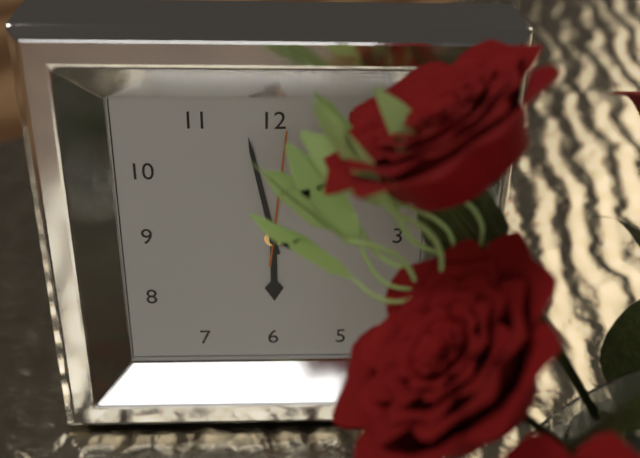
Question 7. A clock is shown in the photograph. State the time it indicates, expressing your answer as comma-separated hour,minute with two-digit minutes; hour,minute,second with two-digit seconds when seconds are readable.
5,58,01
